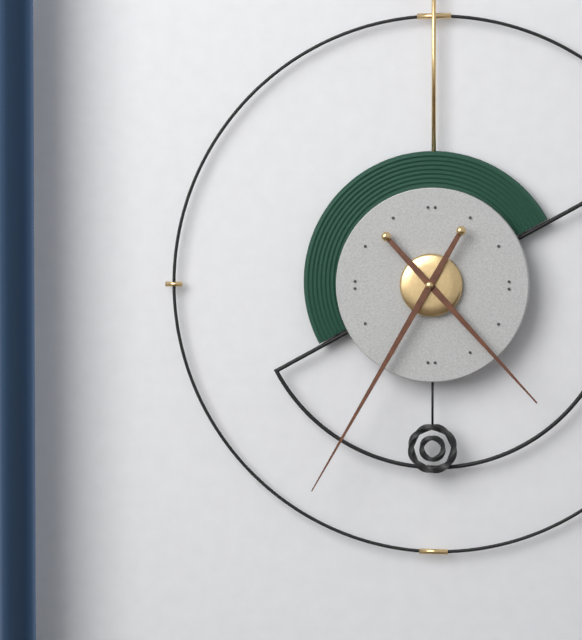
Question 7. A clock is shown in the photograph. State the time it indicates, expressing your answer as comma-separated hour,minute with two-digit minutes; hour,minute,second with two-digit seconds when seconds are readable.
4,35
